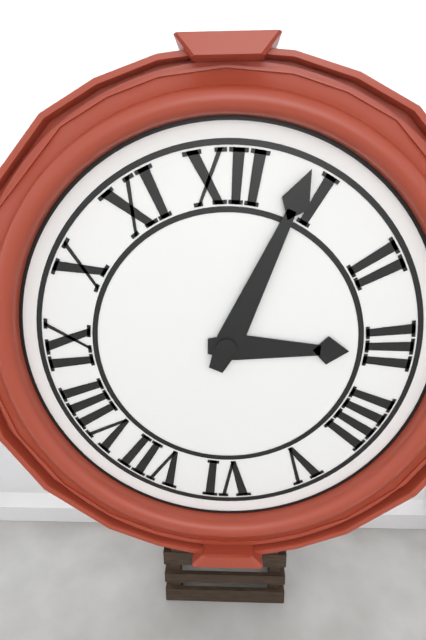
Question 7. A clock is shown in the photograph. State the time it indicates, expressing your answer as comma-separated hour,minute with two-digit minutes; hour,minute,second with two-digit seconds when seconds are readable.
3,04
